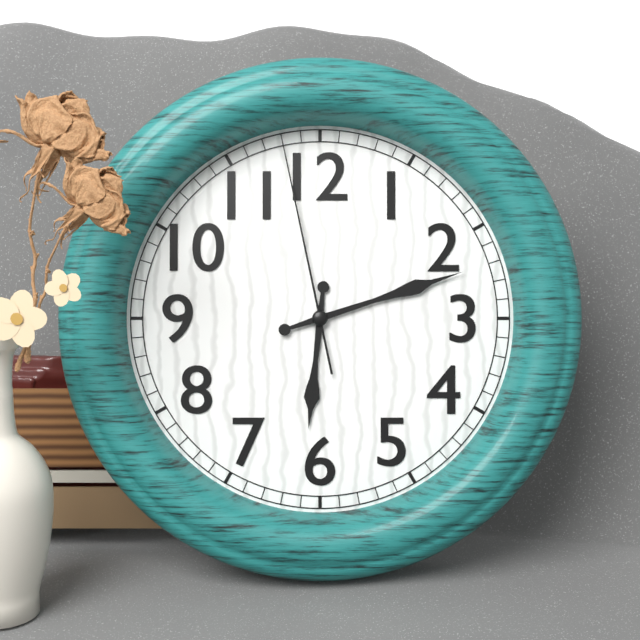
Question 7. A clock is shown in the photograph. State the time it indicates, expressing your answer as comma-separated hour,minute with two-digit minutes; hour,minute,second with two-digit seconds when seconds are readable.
6,12,58
